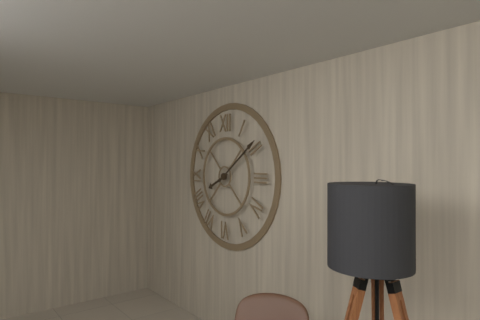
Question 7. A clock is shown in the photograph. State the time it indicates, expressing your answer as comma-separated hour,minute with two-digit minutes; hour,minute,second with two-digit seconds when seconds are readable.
8,09
